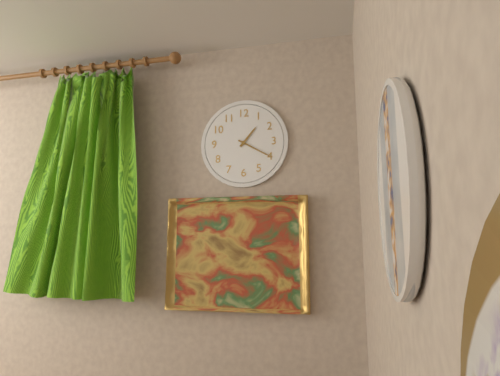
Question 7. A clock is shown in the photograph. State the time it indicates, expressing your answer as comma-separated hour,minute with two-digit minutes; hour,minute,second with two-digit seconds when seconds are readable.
1,20
